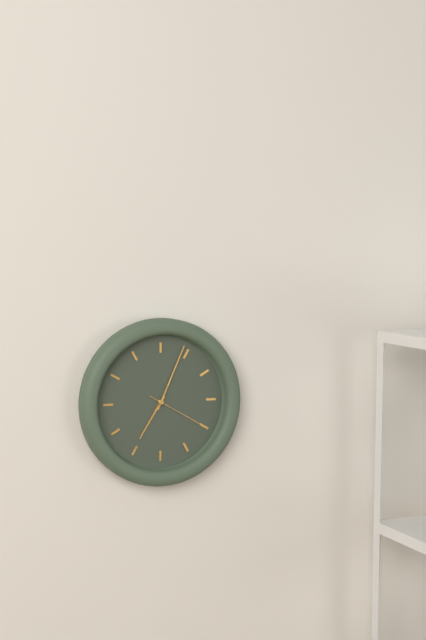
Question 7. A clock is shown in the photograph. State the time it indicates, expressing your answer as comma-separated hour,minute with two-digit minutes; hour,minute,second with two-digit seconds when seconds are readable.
7,04,20
